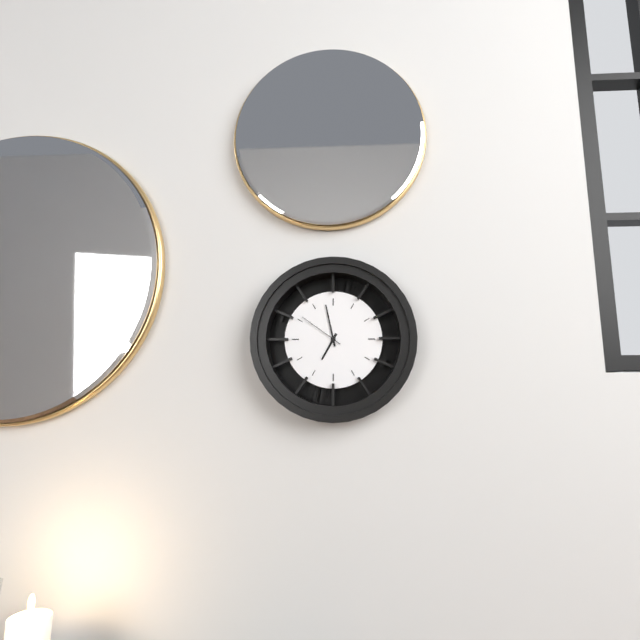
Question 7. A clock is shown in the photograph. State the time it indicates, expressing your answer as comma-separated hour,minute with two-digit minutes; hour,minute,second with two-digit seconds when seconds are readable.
6,58
